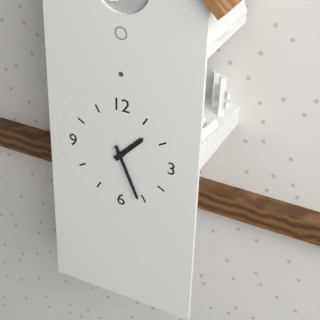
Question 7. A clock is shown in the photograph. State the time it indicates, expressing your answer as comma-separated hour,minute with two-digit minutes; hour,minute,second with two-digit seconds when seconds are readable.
1,26
